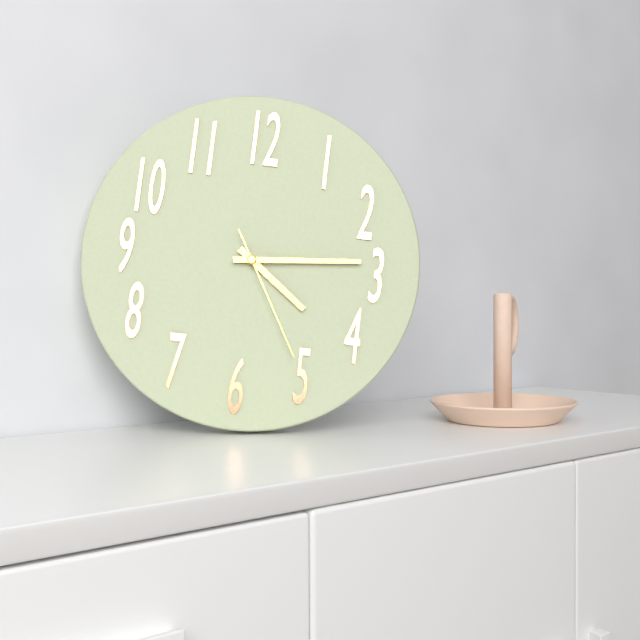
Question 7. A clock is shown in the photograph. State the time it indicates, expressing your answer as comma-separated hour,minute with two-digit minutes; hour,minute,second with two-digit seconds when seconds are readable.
4,14,25
